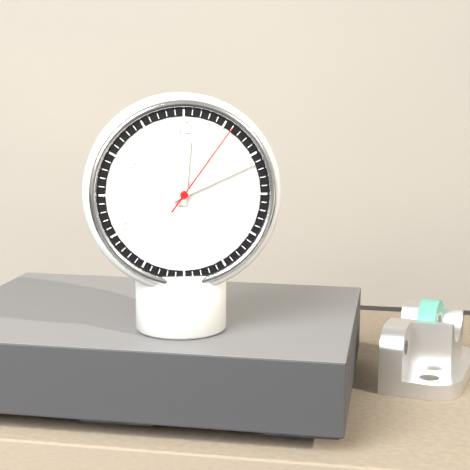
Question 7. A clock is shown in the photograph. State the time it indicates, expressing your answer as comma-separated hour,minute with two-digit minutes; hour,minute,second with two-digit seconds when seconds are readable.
12,11,06
